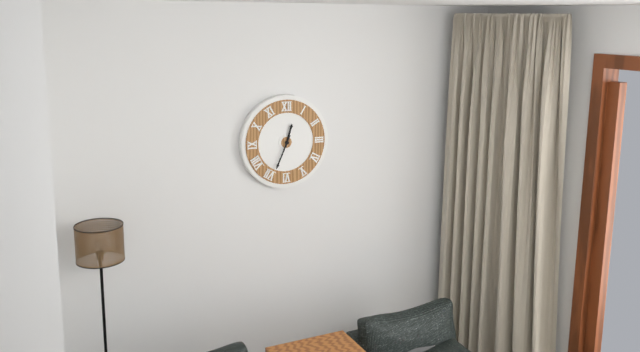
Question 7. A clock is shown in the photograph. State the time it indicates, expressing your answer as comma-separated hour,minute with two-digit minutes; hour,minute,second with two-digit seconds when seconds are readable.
12,34
